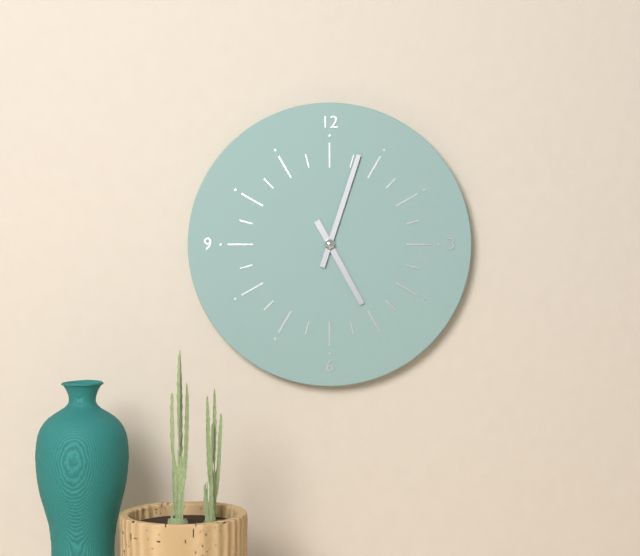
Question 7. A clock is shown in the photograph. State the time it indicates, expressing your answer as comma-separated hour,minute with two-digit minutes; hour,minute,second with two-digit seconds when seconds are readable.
5,03
